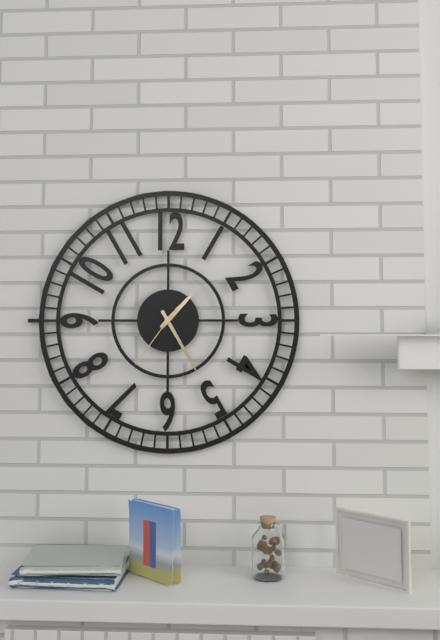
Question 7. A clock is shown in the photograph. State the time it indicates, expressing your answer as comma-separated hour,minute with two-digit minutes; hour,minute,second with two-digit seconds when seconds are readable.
1,25,36
